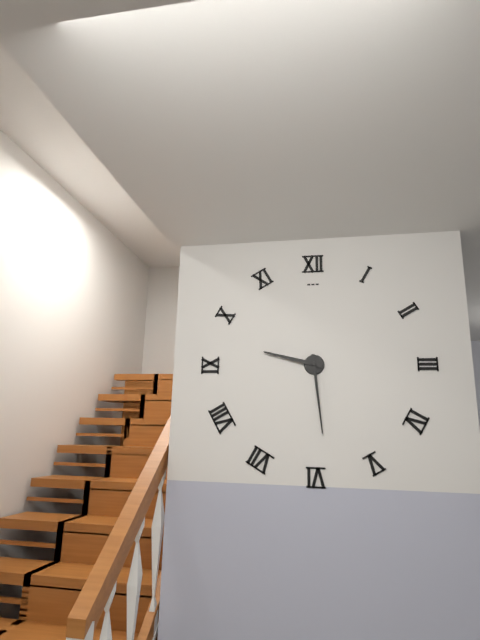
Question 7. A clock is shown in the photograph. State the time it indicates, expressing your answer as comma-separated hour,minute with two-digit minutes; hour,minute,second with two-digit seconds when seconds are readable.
9,29
